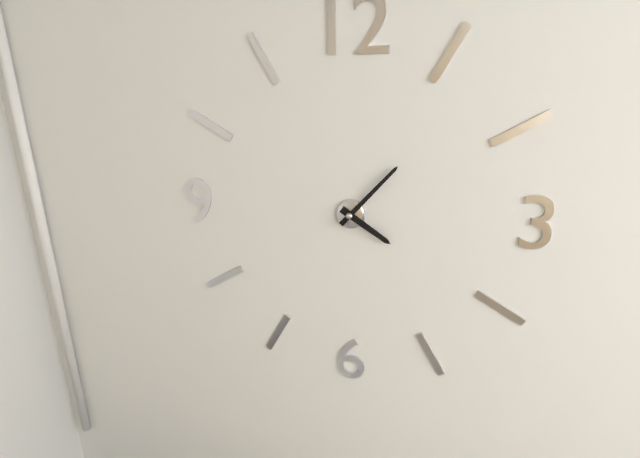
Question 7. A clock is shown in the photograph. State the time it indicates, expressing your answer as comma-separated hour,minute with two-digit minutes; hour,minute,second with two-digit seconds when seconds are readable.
4,07
